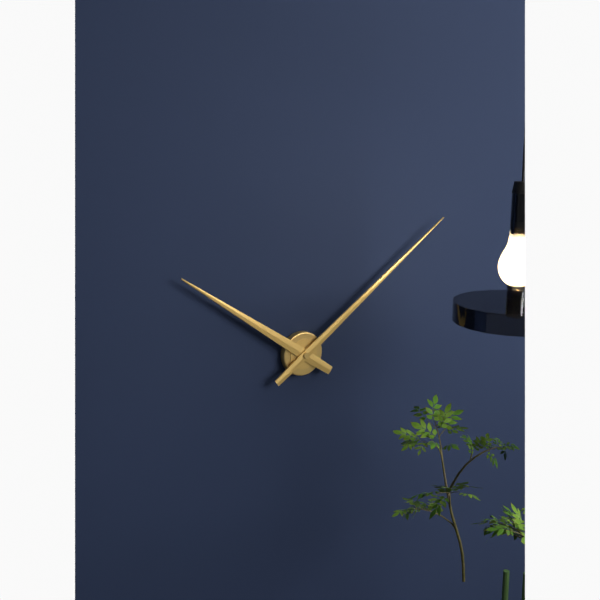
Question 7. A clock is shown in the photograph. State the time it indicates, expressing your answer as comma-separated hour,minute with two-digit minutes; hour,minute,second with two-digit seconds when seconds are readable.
10,09
